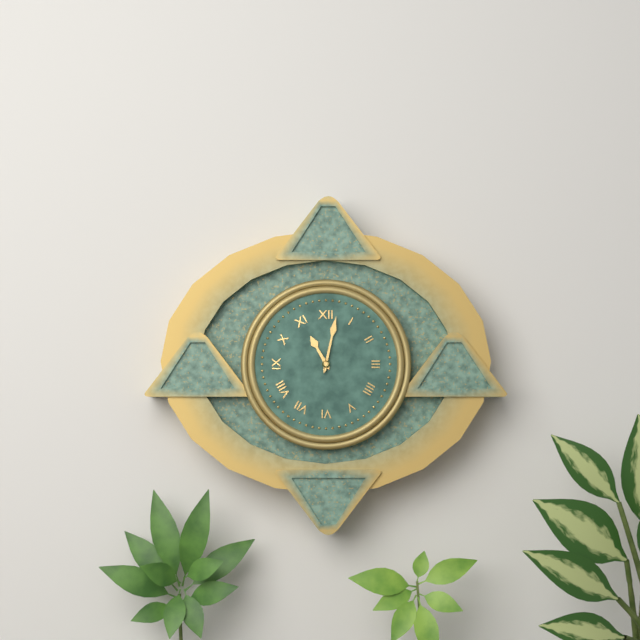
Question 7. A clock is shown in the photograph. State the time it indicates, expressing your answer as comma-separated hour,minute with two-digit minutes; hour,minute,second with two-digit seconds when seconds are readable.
11,02
